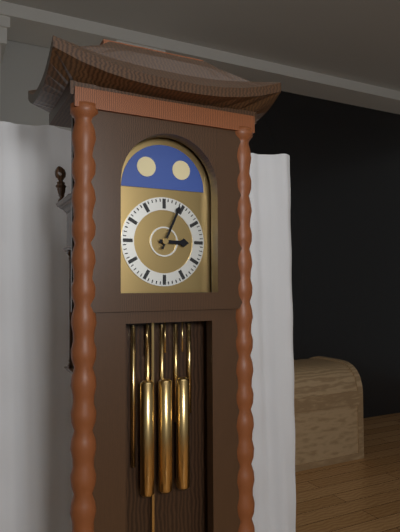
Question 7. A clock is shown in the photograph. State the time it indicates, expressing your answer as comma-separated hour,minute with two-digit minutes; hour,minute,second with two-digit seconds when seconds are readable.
3,04
